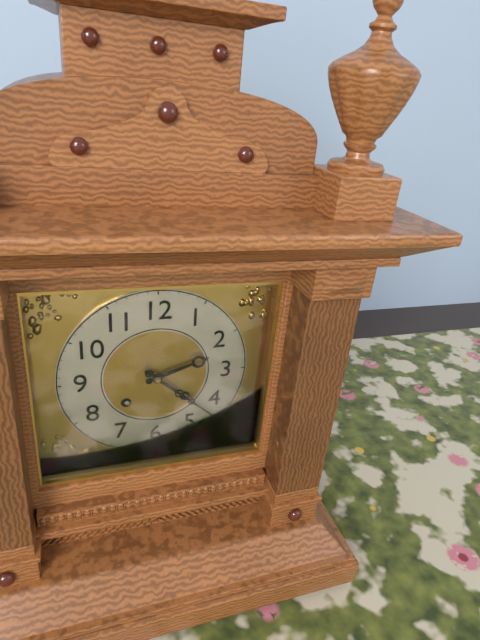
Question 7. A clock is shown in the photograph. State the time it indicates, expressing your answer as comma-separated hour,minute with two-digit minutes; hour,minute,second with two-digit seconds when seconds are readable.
2,22
